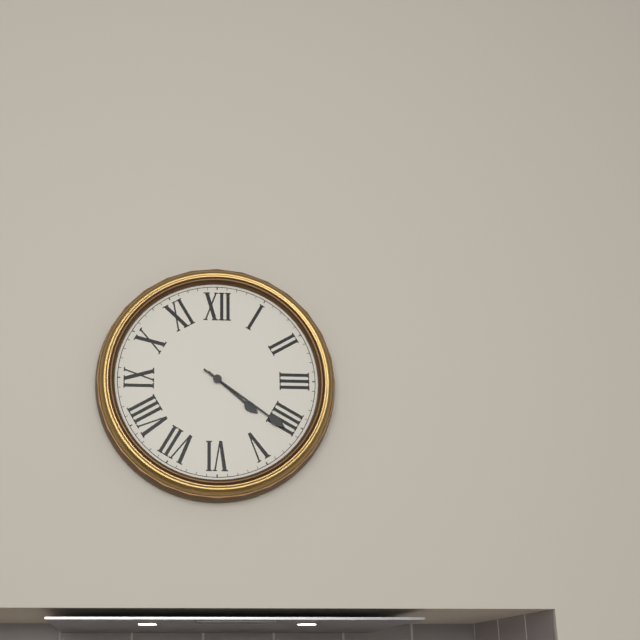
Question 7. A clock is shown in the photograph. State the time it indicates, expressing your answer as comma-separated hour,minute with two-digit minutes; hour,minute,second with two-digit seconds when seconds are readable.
4,21
